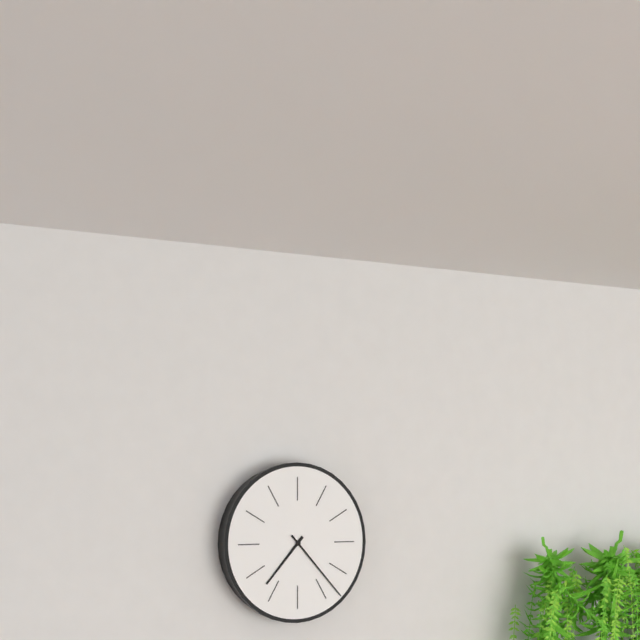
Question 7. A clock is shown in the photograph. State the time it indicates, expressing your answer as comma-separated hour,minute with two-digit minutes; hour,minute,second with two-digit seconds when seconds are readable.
7,23
